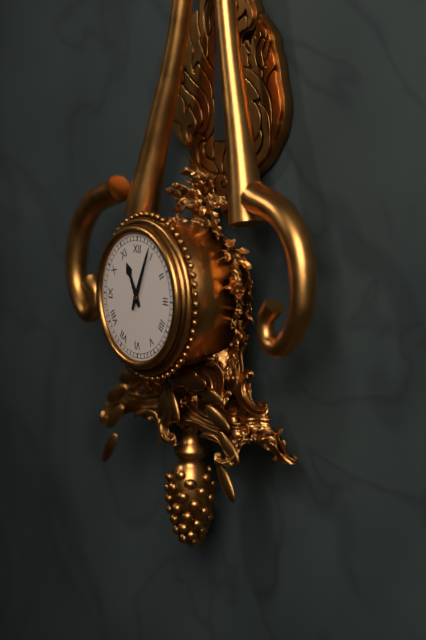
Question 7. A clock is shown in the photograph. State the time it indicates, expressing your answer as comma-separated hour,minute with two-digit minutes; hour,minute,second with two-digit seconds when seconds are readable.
11,04
